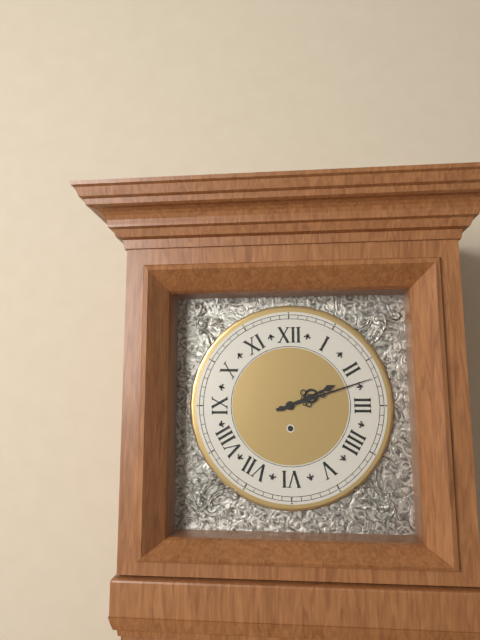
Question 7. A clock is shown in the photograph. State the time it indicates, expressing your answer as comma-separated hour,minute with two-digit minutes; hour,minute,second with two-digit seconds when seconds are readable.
2,12
